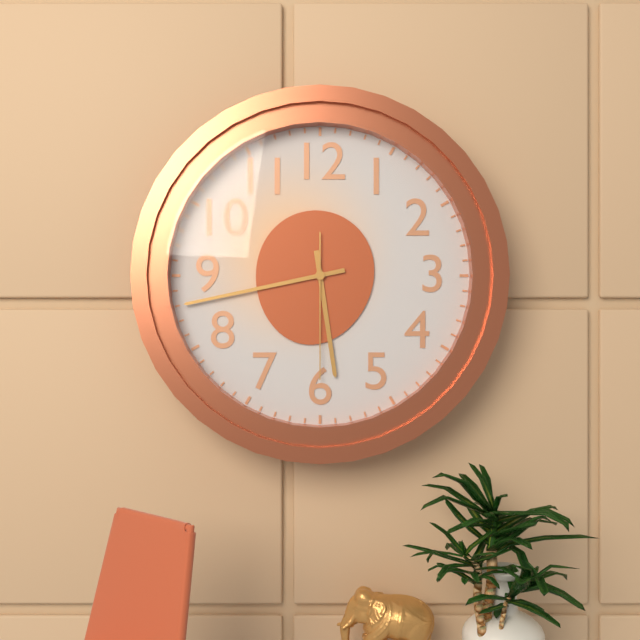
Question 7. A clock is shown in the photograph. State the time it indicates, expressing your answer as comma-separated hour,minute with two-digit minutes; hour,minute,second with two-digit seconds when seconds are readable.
5,43,30
